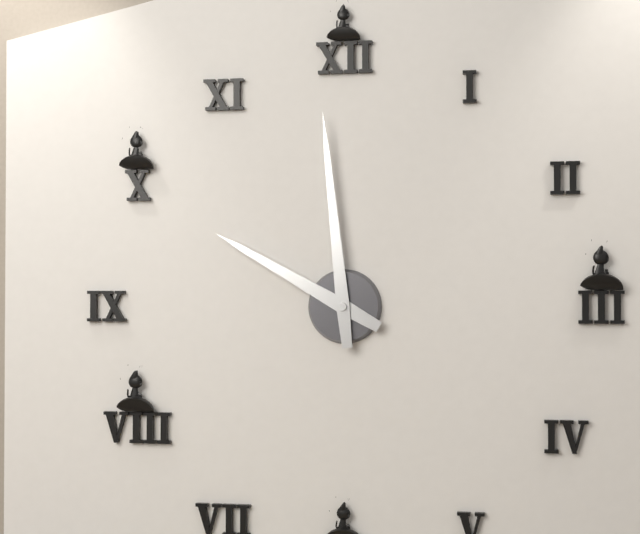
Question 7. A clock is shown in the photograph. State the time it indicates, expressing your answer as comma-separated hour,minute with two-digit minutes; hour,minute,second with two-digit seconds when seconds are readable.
9,59
